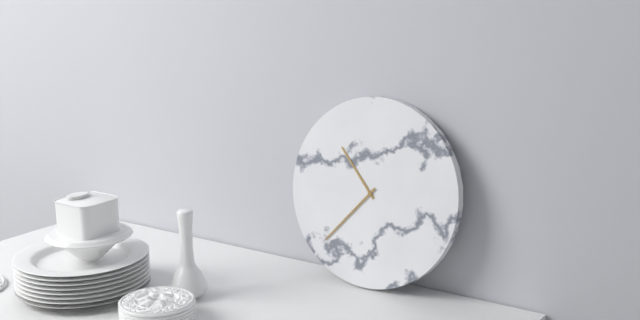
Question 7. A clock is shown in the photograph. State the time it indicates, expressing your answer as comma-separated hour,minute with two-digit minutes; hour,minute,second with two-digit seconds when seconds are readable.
10,37
